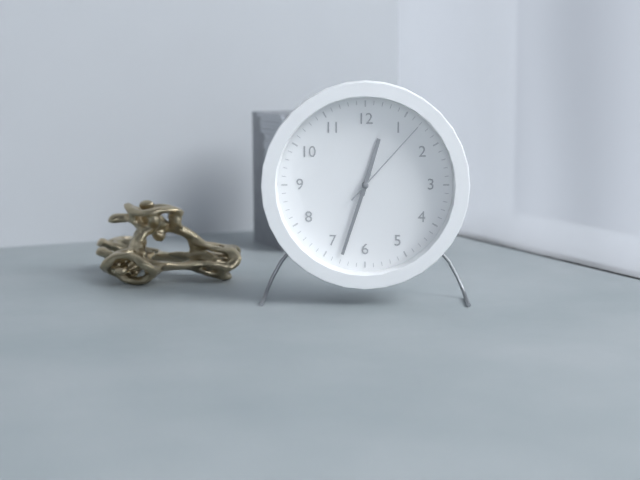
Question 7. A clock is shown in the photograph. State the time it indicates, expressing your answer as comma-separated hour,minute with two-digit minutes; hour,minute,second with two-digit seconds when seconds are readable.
12,33,07
